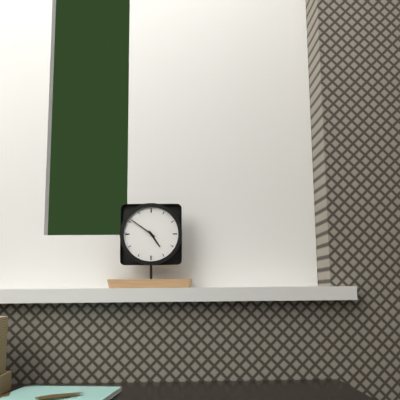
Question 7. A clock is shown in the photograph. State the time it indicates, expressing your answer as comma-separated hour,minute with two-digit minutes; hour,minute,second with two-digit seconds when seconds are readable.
4,51
